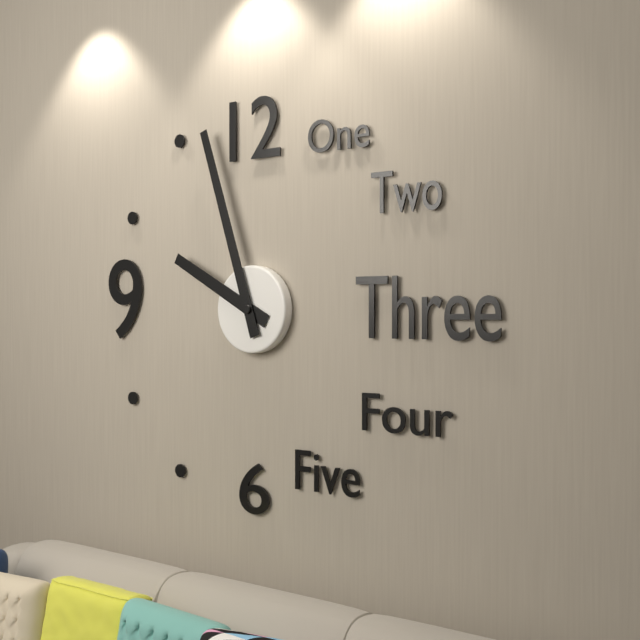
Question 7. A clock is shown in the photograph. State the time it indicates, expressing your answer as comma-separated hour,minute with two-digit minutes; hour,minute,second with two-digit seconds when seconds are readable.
9,57
